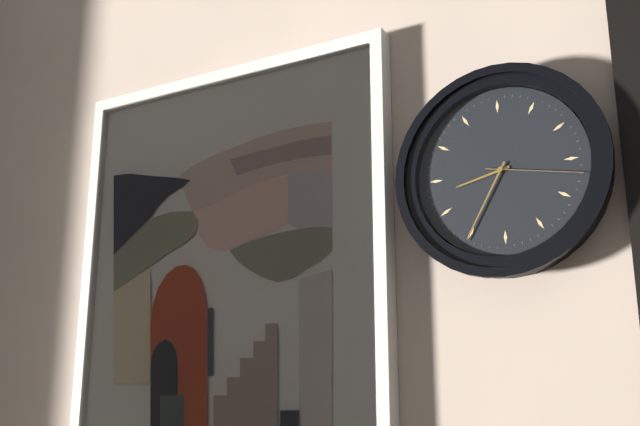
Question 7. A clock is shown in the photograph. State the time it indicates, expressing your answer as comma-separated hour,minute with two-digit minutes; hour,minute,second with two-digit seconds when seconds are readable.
8,35,17
